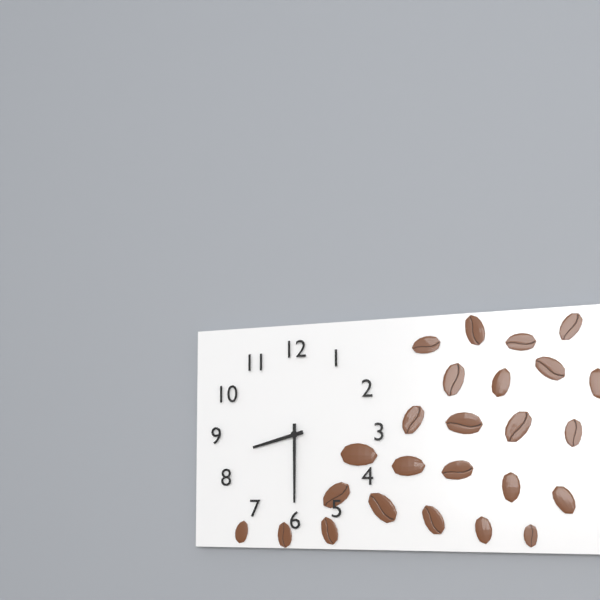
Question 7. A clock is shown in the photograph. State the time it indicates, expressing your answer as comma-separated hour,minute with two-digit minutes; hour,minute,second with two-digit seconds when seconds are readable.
8,30
